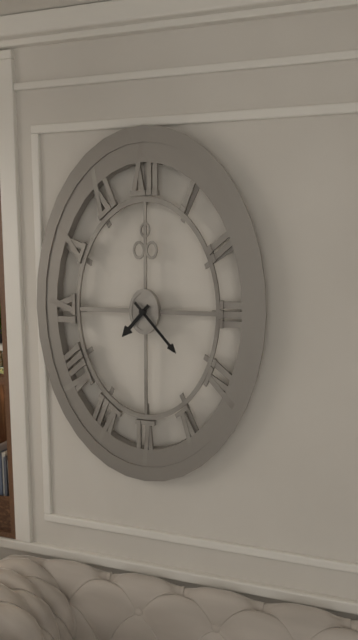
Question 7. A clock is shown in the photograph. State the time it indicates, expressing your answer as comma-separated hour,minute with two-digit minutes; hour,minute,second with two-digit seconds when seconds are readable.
7,23
